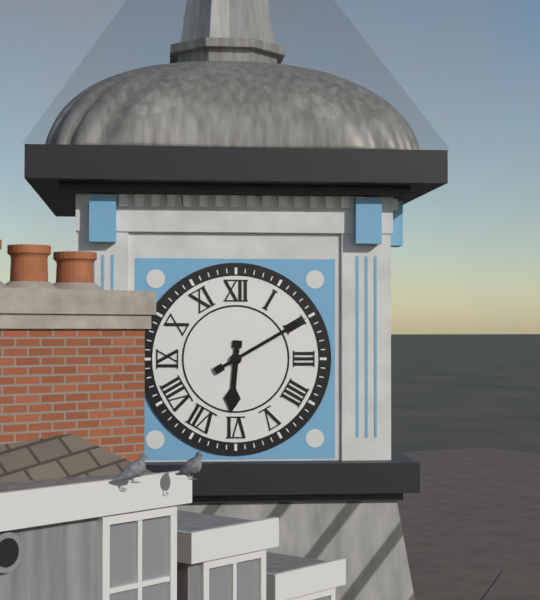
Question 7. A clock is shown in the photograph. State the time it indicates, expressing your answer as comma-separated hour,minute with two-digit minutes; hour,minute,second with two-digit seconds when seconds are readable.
6,10
